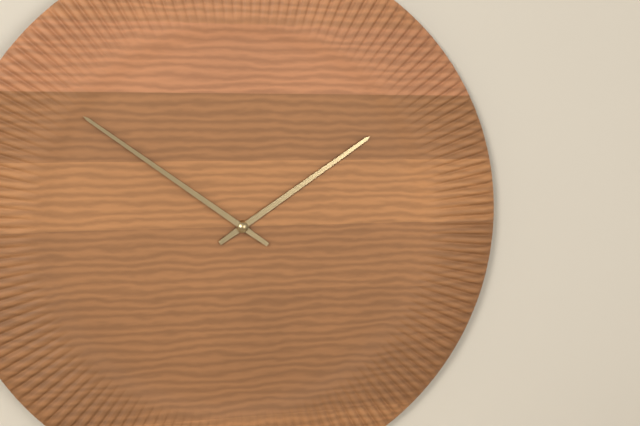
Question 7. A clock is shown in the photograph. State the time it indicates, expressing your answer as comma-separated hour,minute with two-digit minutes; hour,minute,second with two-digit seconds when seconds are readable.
1,51
